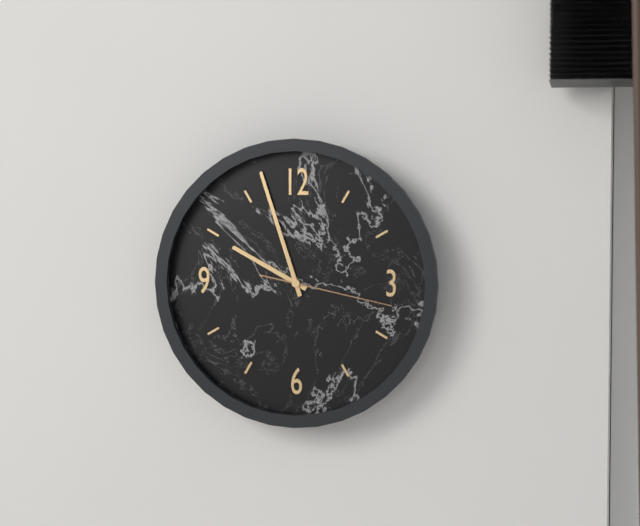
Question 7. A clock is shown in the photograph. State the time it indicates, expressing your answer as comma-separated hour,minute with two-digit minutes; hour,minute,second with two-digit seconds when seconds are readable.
9,57,17
